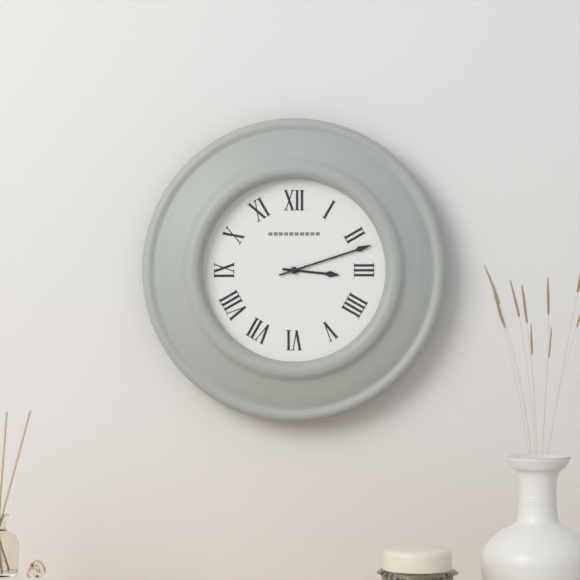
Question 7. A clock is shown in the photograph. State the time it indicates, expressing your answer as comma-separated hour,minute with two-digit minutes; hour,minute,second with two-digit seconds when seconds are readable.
3,12
